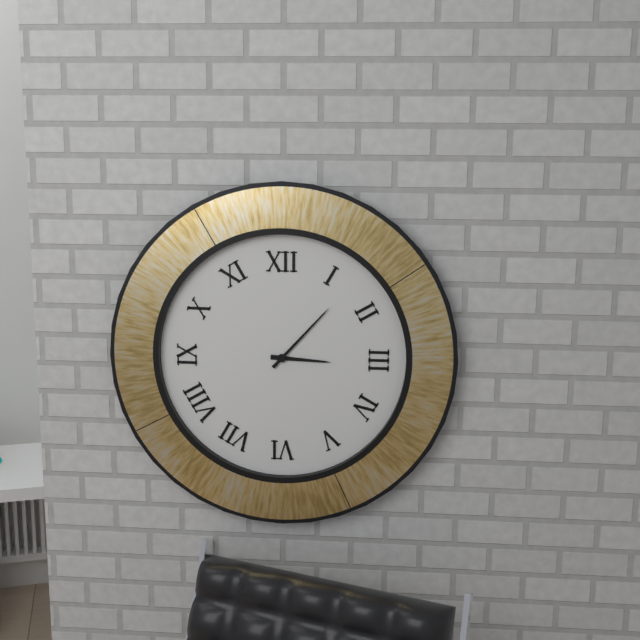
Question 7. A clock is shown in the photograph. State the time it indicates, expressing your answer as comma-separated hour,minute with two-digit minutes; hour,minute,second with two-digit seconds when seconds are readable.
3,07
